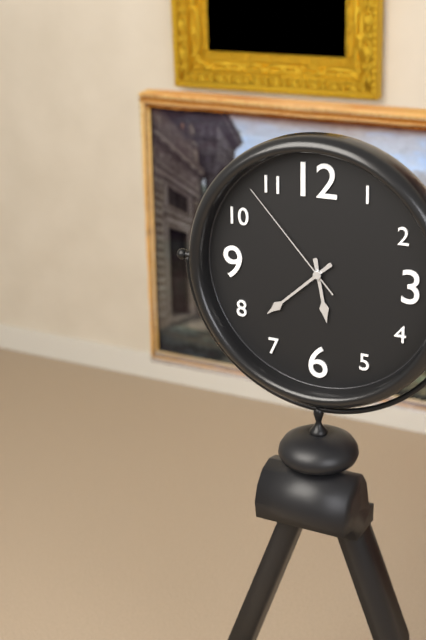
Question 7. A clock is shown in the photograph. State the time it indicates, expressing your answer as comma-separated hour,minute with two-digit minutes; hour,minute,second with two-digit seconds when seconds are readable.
5,38,53
